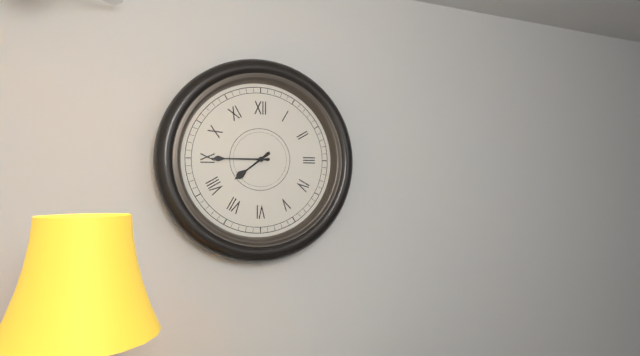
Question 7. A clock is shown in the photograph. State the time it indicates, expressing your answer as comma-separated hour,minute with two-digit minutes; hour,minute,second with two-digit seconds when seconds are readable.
7,45
